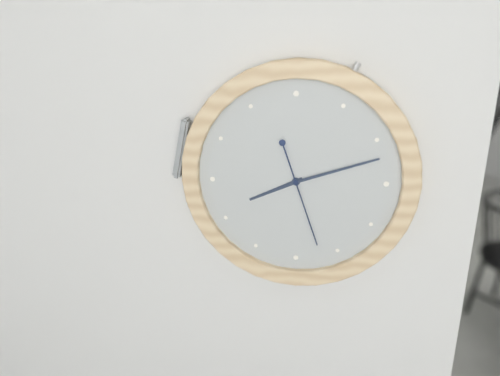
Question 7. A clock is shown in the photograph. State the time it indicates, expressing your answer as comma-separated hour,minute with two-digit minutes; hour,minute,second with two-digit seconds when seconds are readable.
8,12,27
